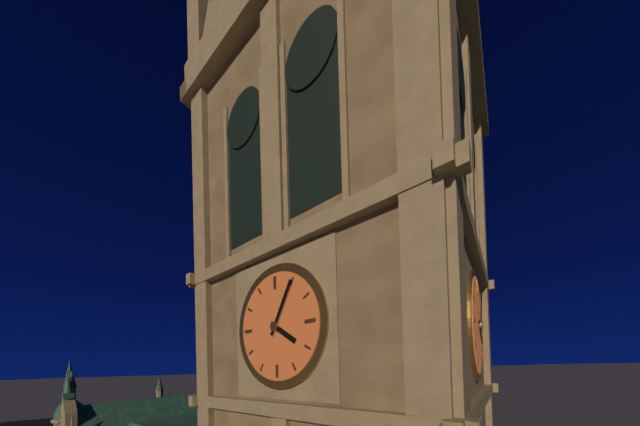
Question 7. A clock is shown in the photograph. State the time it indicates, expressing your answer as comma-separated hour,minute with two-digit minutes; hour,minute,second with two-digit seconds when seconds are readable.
4,05
